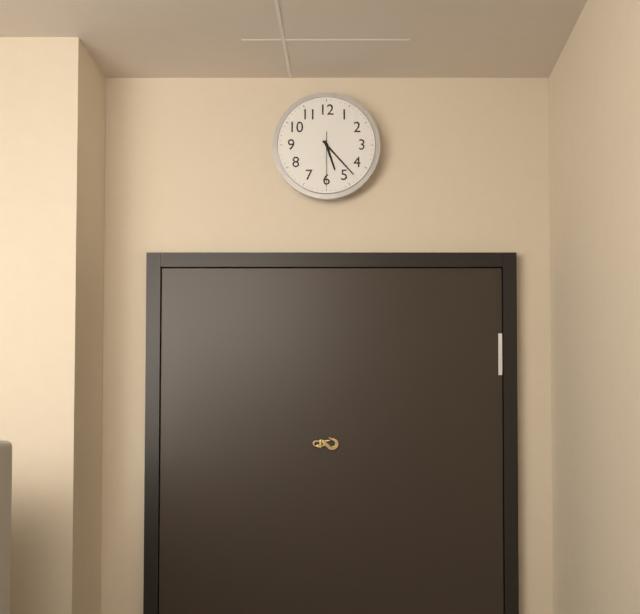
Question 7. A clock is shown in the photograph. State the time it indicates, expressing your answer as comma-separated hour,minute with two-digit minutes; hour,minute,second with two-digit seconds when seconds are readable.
5,23,30
